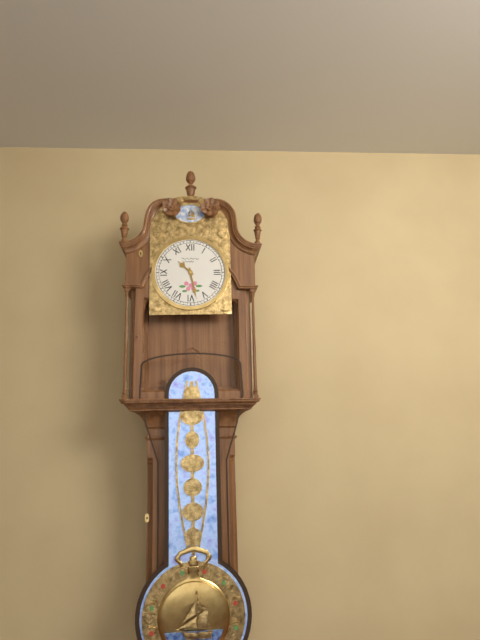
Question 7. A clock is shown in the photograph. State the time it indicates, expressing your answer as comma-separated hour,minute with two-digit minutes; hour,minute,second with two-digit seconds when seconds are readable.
10,28
